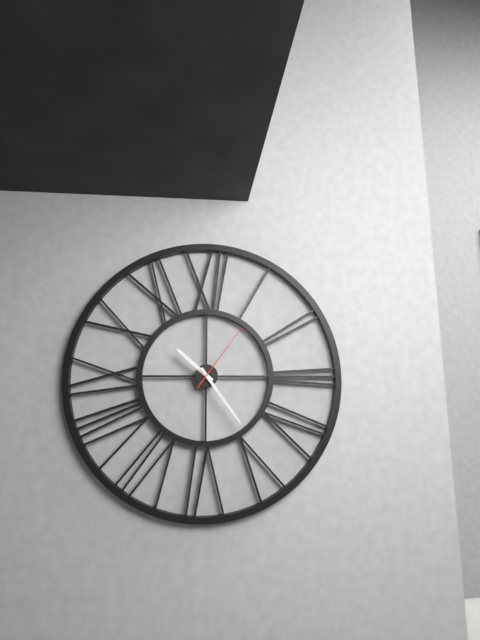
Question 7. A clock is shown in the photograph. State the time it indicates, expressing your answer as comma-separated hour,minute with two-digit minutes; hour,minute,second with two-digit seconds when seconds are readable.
10,24,06
